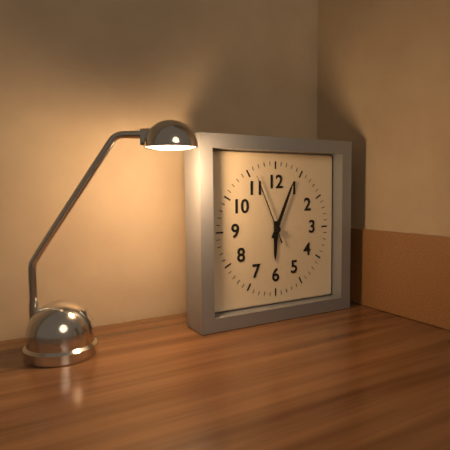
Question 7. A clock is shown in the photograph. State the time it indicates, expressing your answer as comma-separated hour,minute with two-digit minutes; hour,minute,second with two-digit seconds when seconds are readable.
6,04,56
